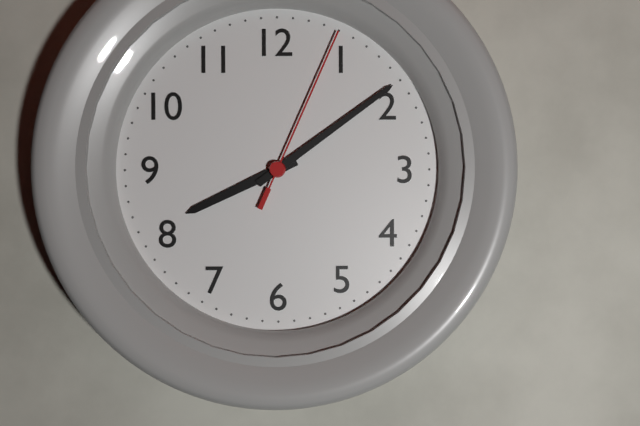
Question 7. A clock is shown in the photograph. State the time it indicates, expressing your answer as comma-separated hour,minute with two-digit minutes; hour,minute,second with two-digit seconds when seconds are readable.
8,09,04
